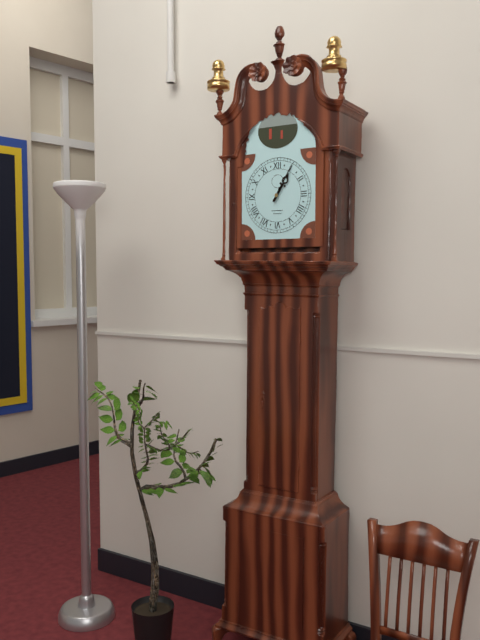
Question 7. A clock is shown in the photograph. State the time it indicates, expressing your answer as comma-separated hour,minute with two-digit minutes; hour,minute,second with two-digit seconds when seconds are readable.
1,05
